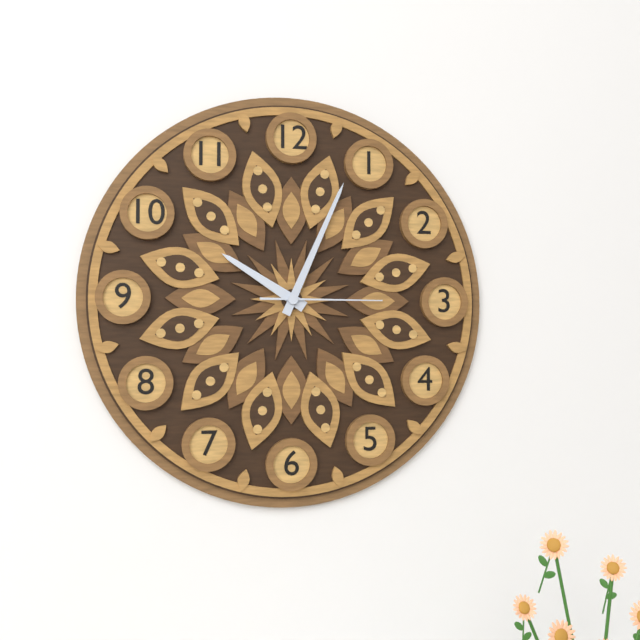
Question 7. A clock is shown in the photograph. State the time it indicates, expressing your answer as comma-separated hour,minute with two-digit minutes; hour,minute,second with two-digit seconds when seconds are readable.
10,04,15
